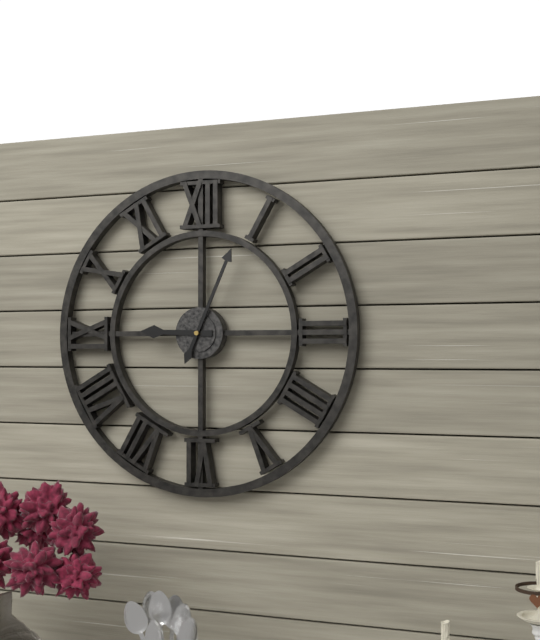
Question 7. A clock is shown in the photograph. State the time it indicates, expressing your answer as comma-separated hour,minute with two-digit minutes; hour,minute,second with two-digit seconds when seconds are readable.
9,04
